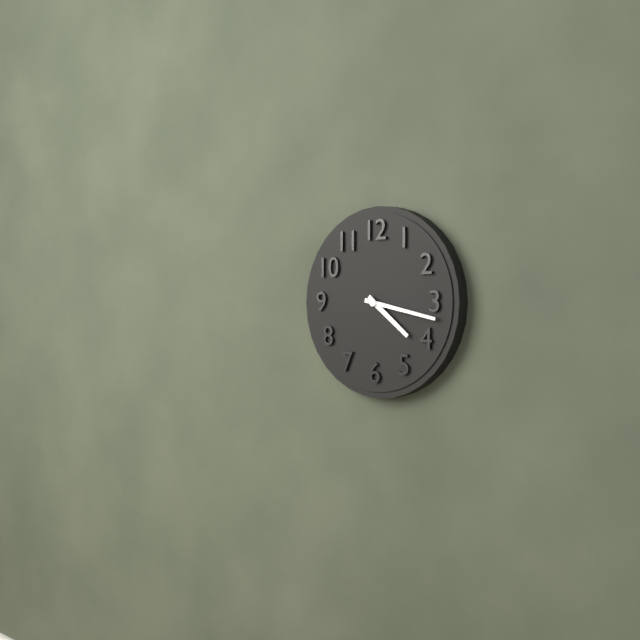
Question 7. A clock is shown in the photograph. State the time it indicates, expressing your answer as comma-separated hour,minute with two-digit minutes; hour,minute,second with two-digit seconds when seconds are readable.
4,17
